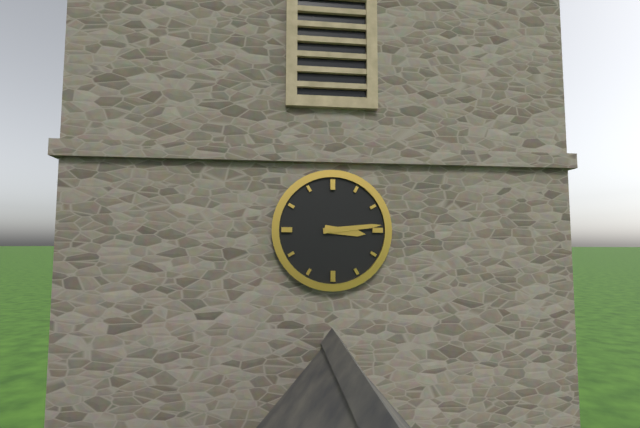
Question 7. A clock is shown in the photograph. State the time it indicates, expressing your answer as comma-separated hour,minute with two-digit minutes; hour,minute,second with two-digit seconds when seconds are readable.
3,14
